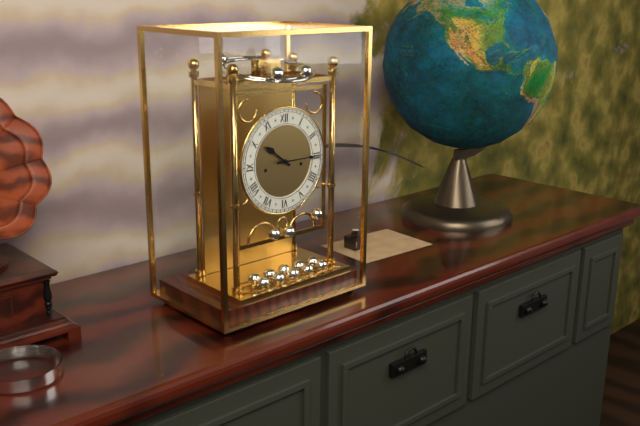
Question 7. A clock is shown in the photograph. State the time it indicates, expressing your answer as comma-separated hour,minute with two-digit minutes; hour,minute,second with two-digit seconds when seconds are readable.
10,15
